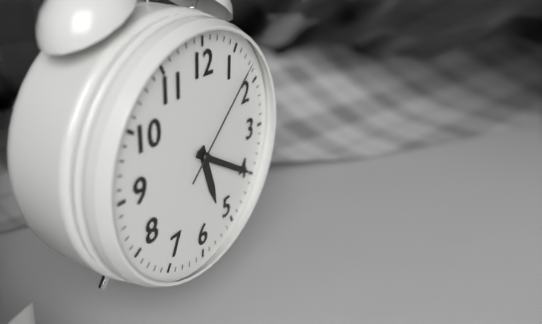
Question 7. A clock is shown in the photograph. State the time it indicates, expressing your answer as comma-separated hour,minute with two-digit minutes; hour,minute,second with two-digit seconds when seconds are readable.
5,20,08
